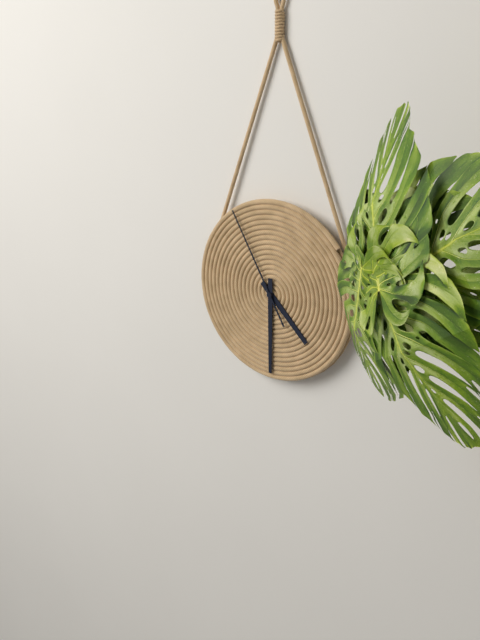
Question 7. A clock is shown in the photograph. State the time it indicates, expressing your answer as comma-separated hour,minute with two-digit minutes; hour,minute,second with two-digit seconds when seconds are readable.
4,30,55
